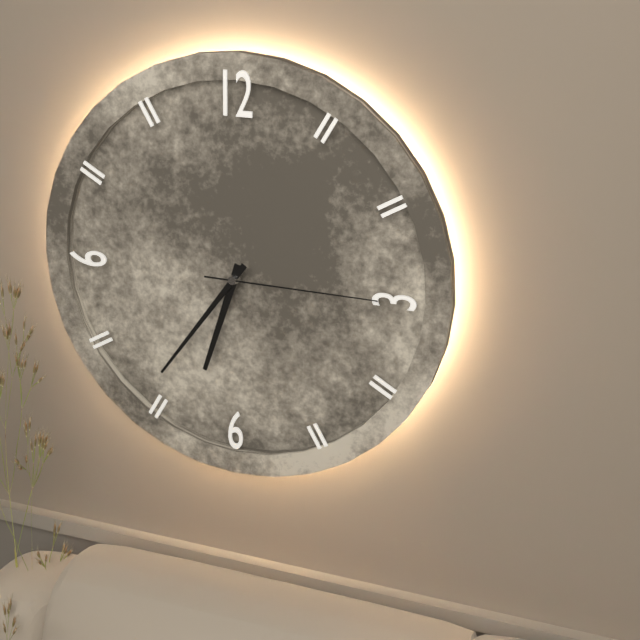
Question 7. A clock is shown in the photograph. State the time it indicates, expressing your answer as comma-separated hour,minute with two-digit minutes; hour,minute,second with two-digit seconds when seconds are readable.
6,36,15
